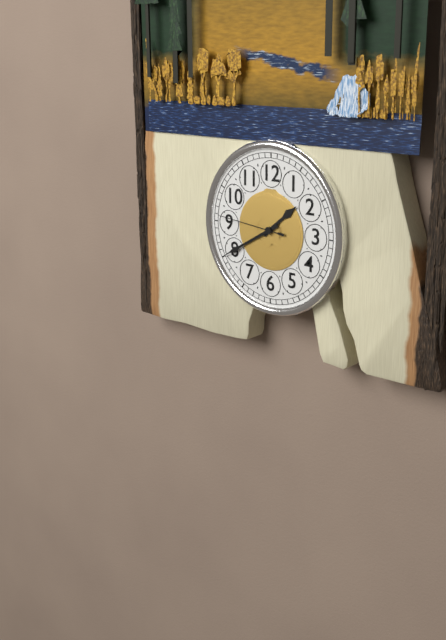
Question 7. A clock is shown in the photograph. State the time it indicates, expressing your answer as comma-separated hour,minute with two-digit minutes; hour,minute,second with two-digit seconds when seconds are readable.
1,40,46
